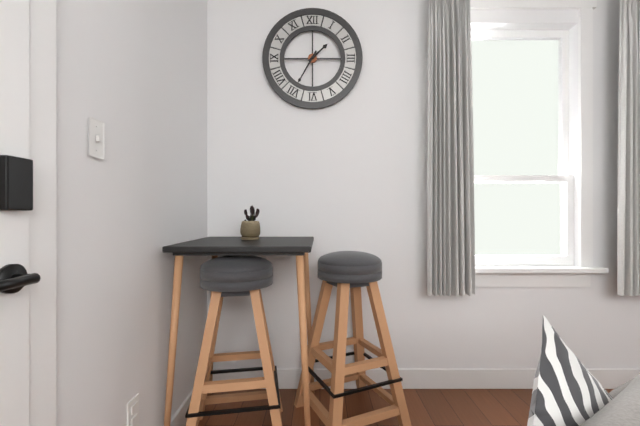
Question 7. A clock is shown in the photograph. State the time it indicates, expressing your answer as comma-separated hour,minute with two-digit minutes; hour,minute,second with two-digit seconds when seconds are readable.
1,35
